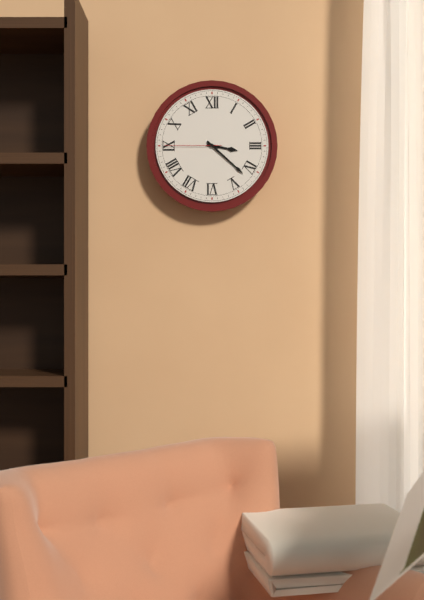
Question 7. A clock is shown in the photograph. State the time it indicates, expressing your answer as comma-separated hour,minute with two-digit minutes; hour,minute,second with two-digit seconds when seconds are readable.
3,22,45
